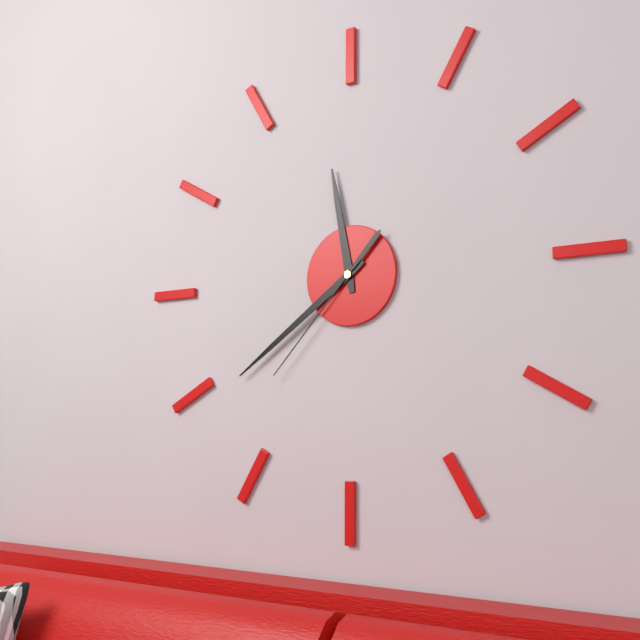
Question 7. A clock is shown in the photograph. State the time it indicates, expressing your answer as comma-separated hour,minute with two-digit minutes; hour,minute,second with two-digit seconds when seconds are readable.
11,39,37
